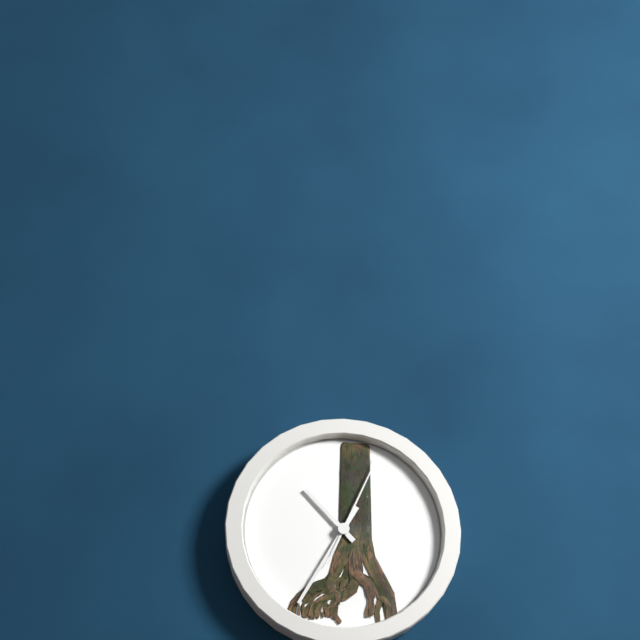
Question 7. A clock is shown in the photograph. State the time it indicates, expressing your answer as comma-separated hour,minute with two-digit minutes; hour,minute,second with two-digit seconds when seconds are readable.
10,35,04
